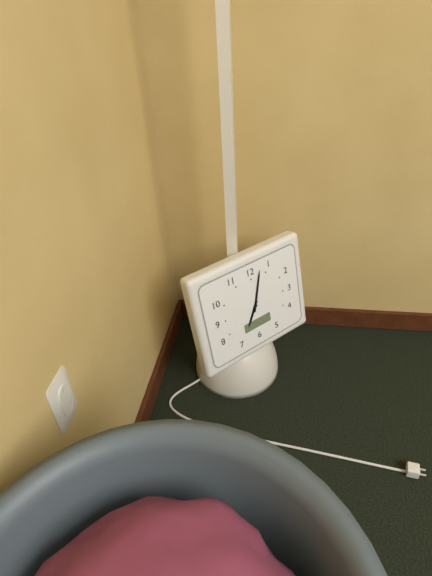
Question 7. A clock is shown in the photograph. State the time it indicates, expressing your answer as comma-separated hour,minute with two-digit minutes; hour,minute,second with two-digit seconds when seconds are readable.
7,03
